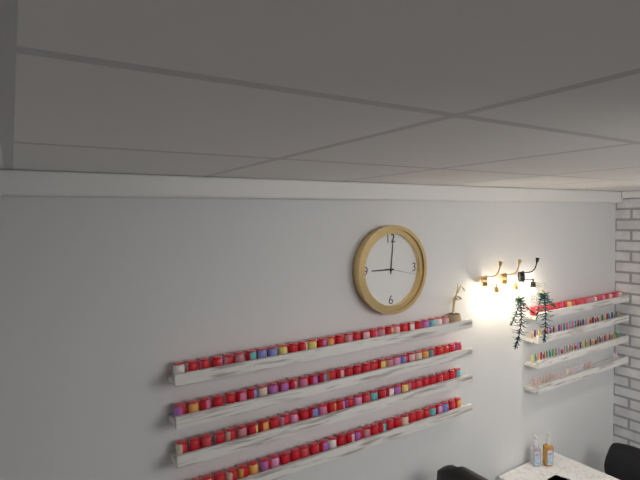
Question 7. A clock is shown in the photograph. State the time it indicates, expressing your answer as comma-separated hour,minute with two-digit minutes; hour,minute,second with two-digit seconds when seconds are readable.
9,01
